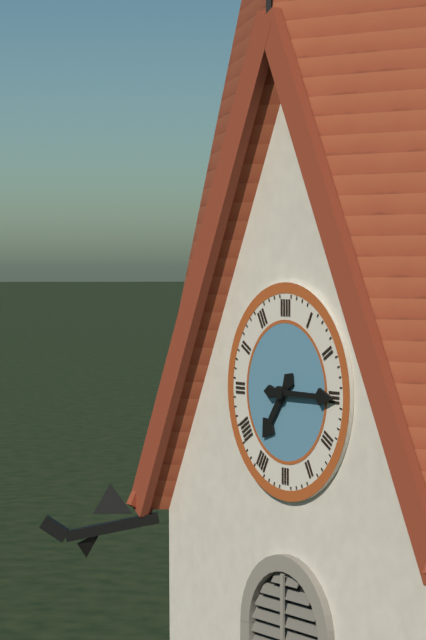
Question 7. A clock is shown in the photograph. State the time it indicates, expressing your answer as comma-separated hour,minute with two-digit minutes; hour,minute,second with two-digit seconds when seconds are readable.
7,15
